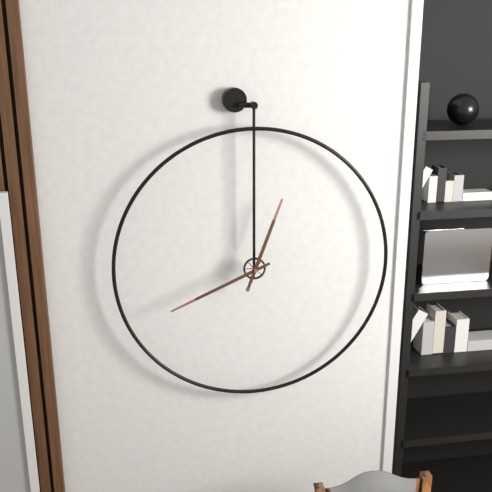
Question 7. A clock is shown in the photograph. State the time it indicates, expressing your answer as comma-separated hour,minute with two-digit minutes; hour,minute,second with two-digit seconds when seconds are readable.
12,41
